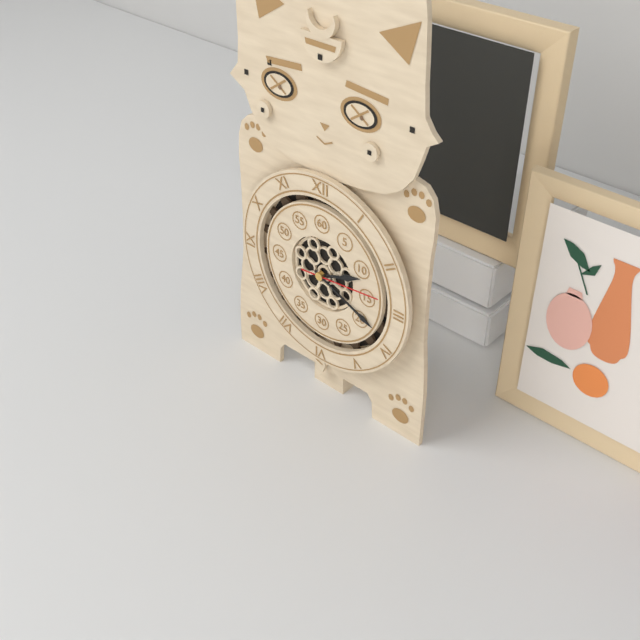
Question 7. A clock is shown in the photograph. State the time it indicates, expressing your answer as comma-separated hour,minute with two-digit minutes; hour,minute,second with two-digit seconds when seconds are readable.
2,19,14
